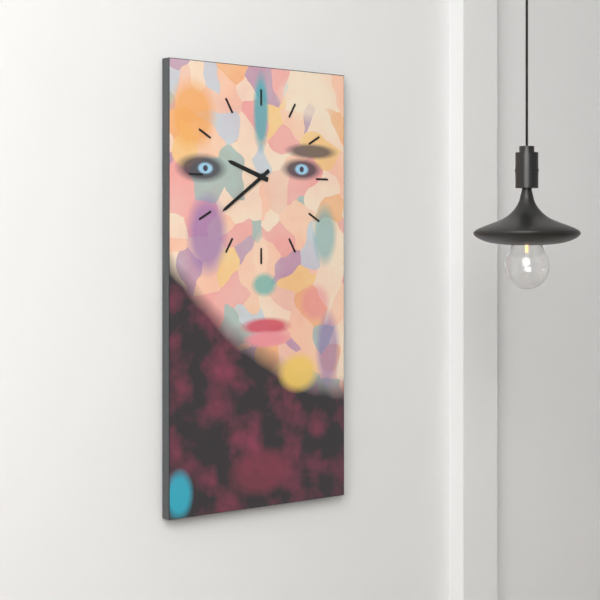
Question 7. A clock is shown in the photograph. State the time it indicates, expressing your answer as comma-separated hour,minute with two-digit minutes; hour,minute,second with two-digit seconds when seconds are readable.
9,39
